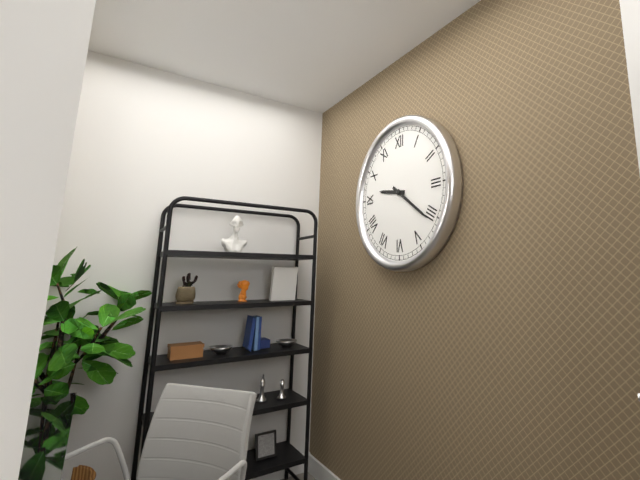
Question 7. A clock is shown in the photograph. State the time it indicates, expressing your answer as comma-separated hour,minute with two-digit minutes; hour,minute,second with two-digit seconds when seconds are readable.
9,21
